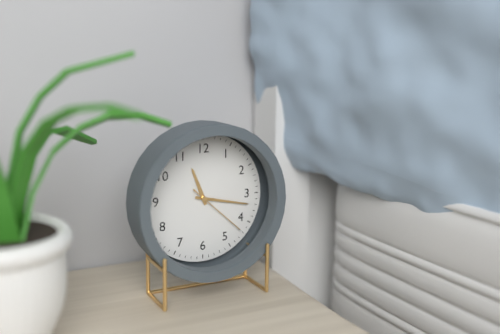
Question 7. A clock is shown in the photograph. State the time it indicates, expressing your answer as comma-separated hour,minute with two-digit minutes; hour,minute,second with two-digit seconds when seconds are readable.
11,17,22
